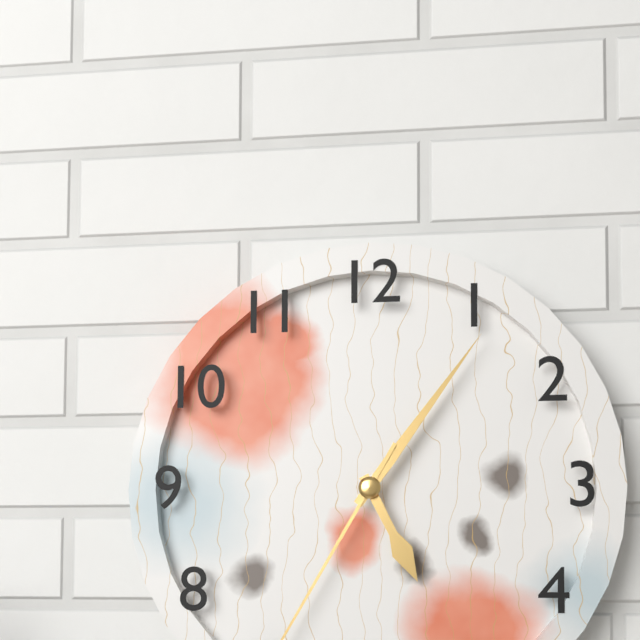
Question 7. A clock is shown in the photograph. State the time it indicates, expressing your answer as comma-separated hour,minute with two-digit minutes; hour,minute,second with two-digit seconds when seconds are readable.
5,06
